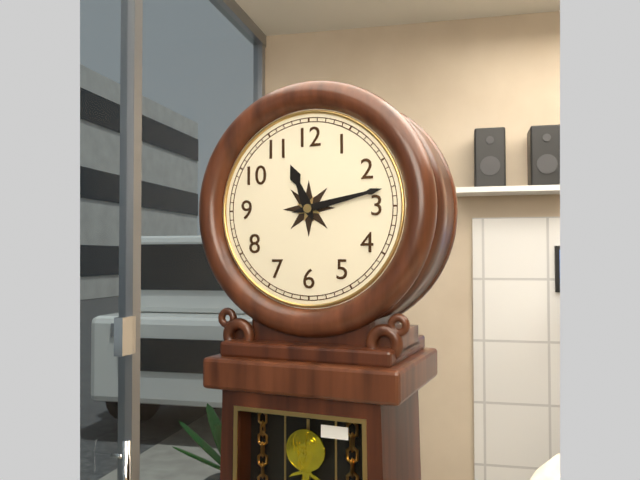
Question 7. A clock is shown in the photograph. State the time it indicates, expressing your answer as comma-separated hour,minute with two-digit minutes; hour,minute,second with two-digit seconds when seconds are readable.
11,13
